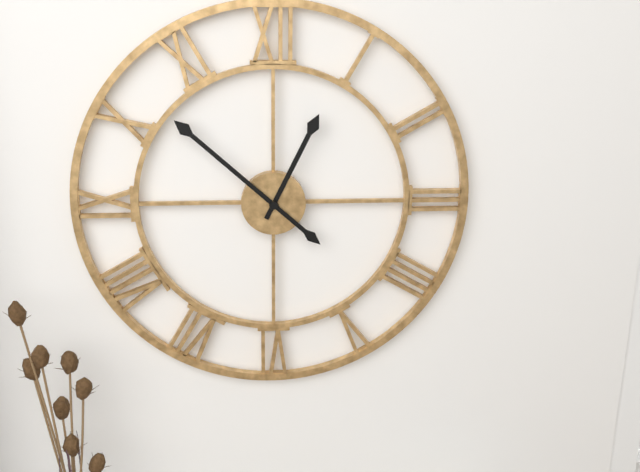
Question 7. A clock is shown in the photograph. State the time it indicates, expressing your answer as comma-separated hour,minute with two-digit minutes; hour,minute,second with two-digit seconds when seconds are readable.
12,52
